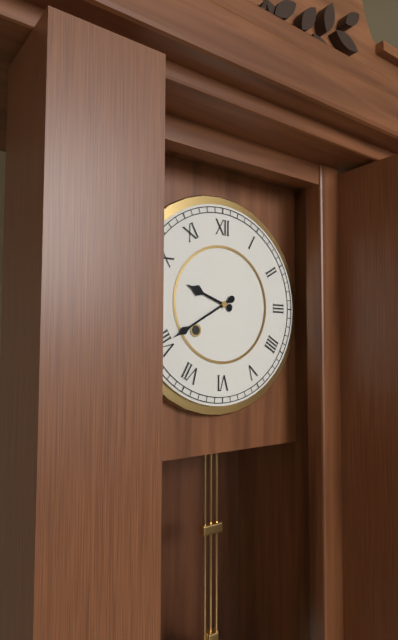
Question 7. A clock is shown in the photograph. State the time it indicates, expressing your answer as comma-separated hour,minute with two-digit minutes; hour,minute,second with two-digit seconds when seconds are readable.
9,40
